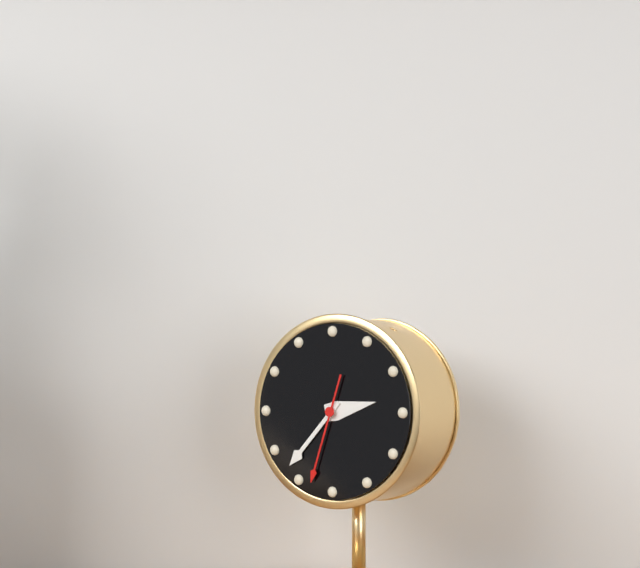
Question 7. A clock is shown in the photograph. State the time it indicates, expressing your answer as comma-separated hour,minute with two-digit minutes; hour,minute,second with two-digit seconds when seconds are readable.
2,37,33
